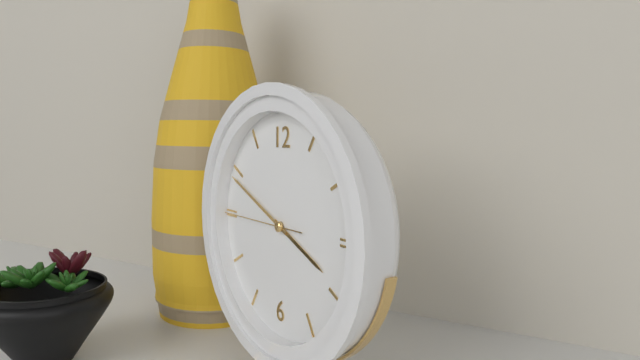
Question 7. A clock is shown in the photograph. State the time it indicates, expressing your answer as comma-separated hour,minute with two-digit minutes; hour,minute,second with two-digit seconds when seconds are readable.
3,49,45
